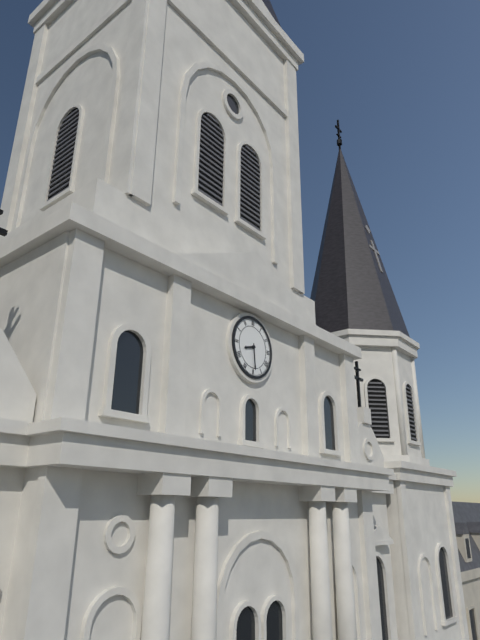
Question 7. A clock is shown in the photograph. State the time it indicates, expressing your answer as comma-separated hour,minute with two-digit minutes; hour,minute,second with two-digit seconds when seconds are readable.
8,29
